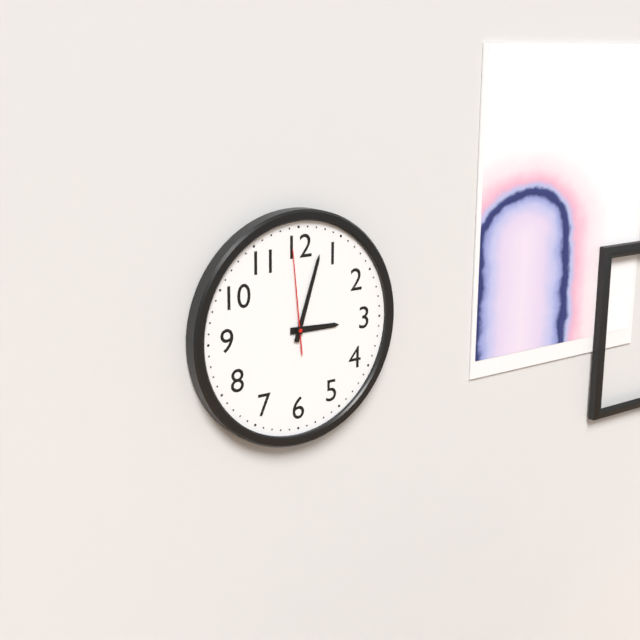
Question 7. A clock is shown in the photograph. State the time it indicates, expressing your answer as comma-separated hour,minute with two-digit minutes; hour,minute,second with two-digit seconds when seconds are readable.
3,03,59
